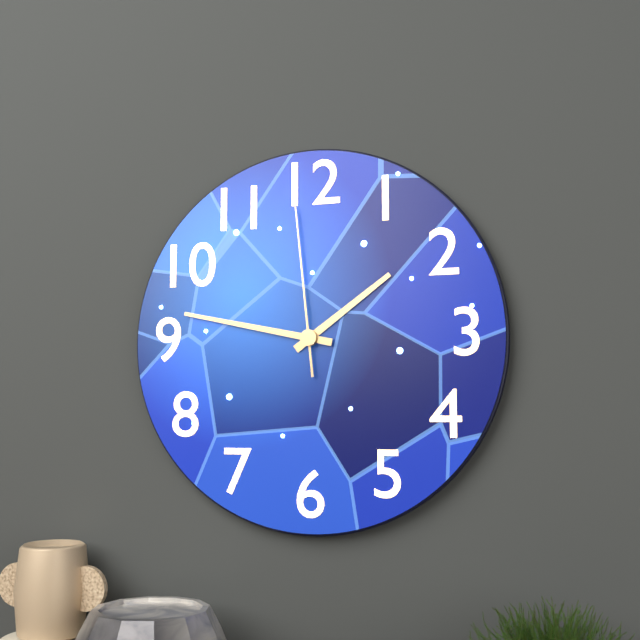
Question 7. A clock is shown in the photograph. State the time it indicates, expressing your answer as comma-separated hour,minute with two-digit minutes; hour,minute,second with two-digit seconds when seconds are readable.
1,47,59
